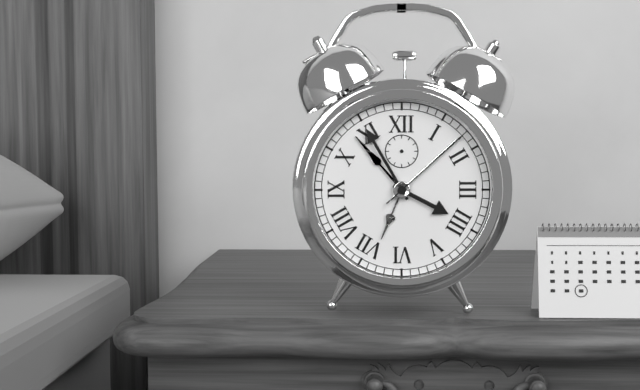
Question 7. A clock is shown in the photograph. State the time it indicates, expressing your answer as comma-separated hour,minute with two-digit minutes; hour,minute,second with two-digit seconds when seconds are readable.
3,55,08
